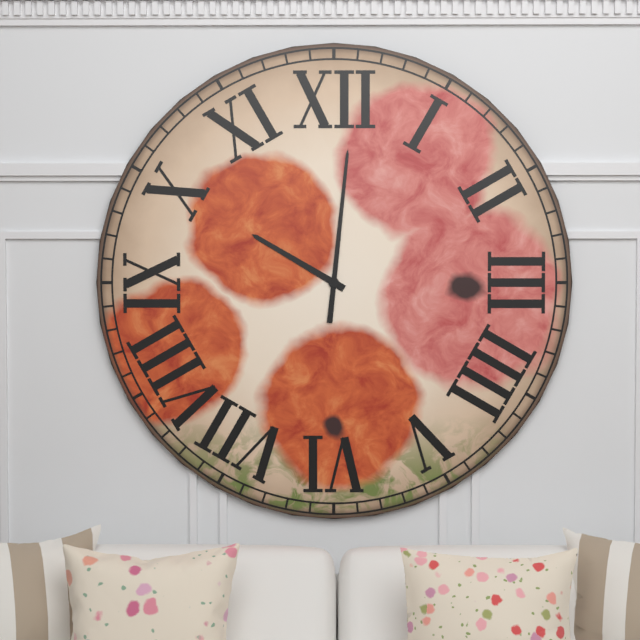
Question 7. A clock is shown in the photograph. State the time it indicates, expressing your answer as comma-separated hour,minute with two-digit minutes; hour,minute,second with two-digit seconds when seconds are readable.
10,01
